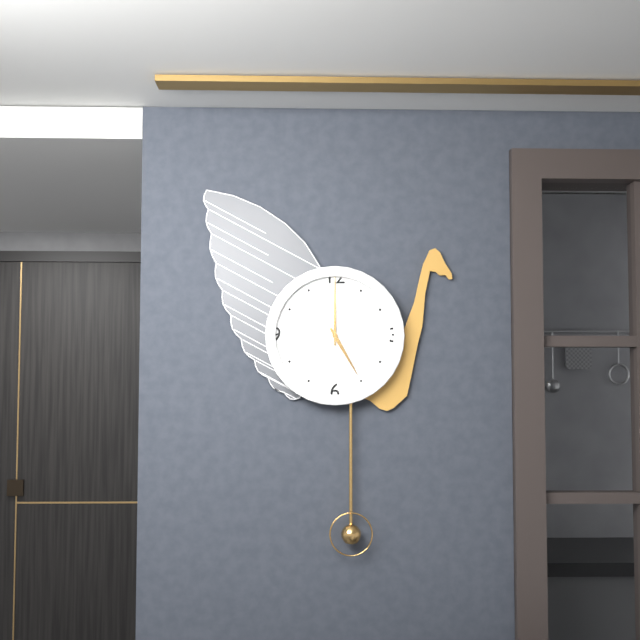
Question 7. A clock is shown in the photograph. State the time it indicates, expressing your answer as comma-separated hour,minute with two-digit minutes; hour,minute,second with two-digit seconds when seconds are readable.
5,00
